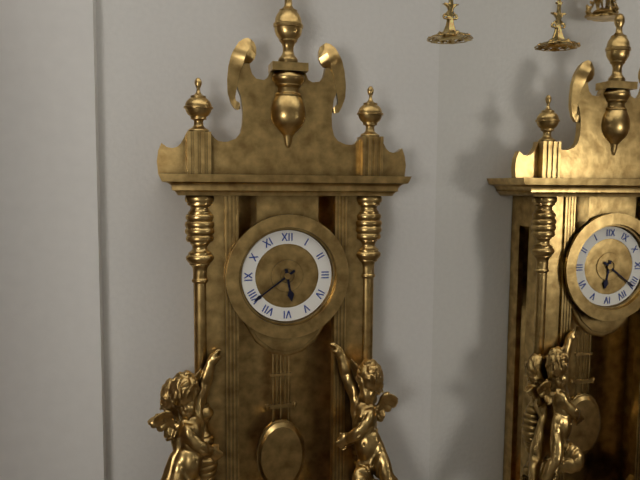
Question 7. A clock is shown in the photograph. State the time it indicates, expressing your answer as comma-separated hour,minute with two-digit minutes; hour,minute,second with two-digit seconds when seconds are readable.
5,39
